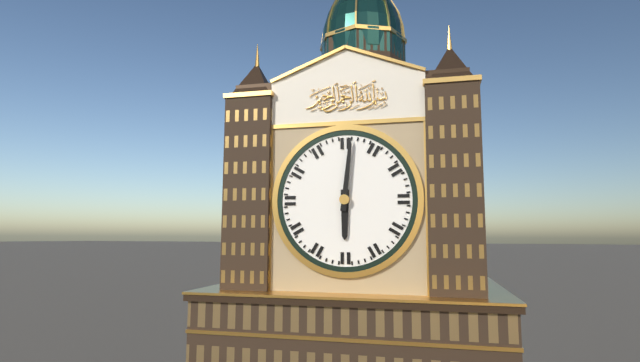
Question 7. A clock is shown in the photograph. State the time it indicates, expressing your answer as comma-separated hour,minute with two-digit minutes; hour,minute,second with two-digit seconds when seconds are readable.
6,01
